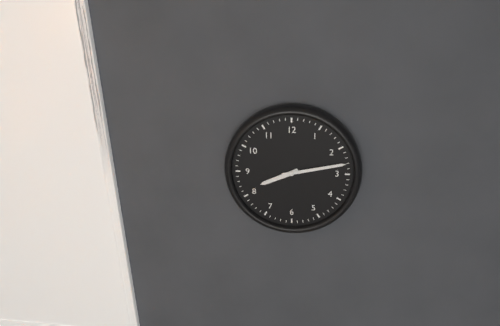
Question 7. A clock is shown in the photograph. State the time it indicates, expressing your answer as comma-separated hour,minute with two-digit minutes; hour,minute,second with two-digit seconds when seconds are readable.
8,13
